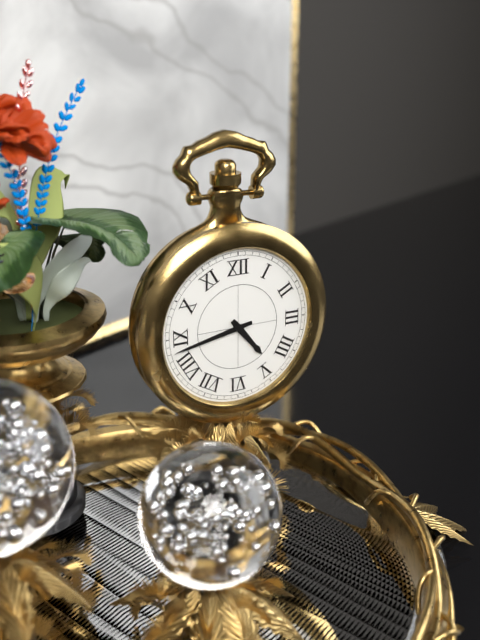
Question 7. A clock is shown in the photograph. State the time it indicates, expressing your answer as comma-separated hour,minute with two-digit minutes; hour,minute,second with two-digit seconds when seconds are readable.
4,43
